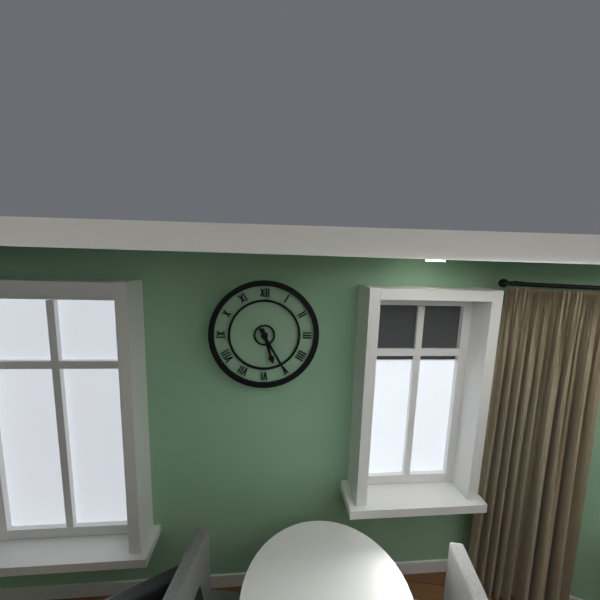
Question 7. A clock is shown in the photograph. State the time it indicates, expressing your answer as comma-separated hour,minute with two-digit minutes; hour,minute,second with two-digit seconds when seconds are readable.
5,25
